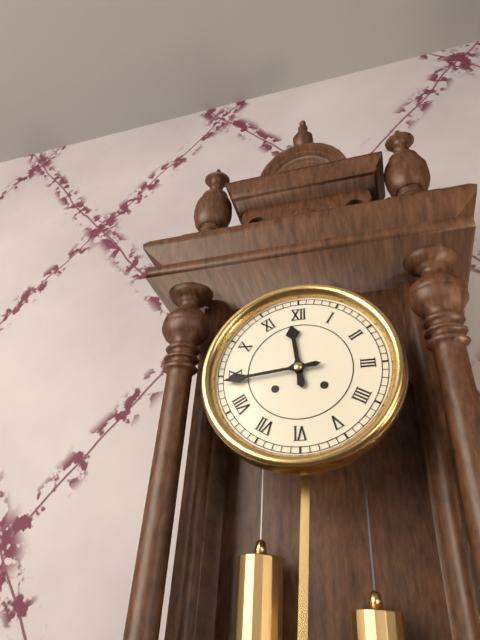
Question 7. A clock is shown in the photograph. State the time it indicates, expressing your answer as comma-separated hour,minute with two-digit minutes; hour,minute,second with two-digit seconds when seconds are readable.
11,44
